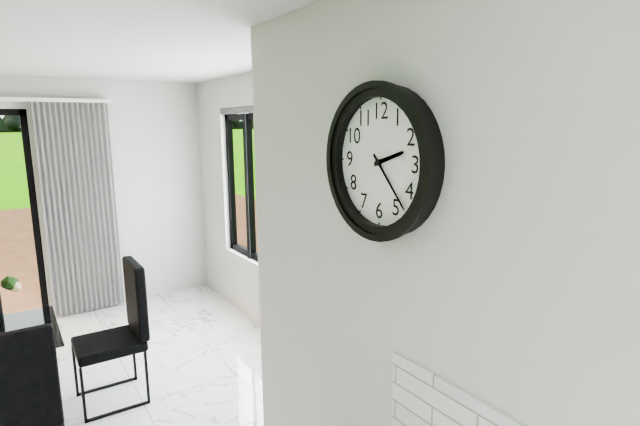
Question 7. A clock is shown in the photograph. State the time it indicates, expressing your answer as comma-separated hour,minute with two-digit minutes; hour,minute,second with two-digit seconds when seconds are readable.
2,23
